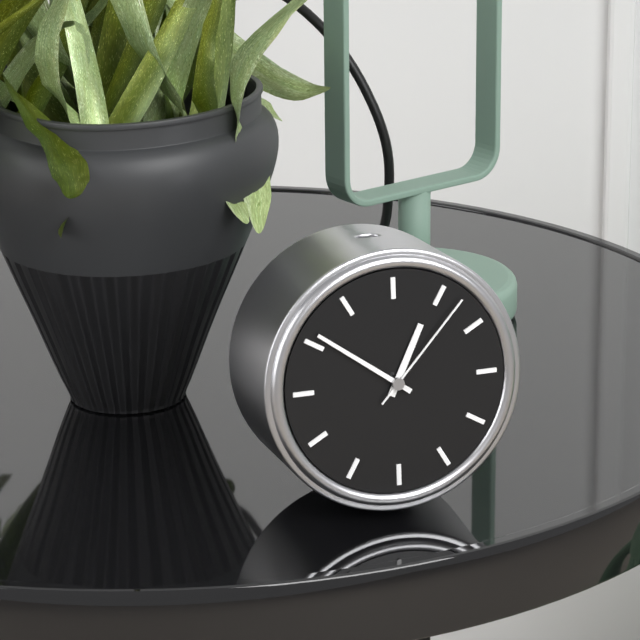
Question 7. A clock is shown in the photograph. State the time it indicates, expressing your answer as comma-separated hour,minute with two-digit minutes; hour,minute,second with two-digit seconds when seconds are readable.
12,51,07
